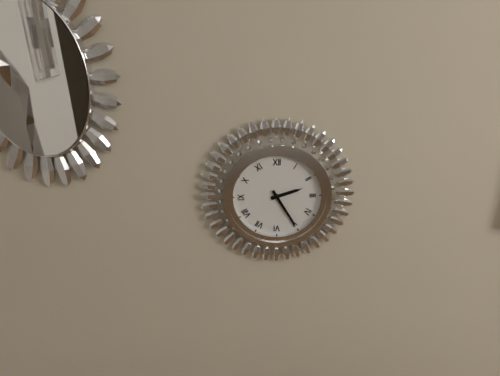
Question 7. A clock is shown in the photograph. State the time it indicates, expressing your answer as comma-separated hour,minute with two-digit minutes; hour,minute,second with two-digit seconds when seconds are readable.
2,25
